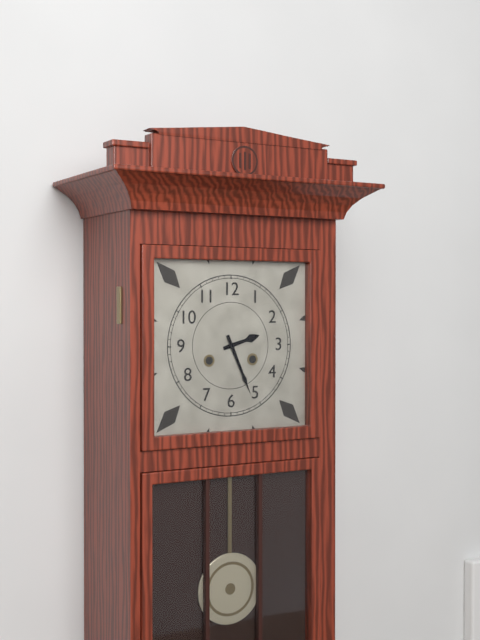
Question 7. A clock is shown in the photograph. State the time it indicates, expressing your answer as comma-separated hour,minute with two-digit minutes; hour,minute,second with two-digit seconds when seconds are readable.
2,26
